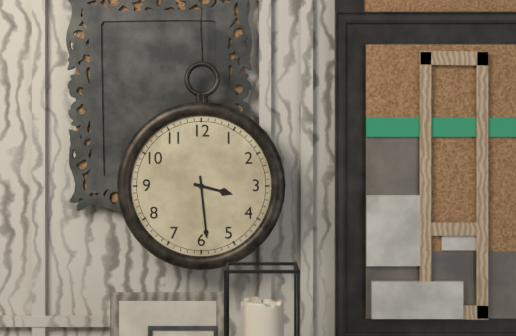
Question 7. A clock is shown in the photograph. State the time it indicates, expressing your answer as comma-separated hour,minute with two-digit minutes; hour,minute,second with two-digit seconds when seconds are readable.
3,29
